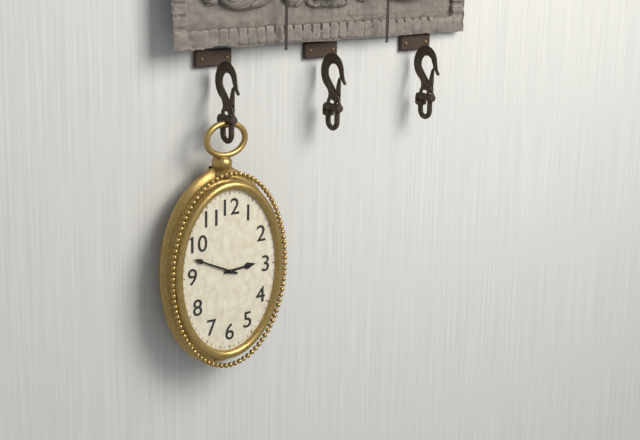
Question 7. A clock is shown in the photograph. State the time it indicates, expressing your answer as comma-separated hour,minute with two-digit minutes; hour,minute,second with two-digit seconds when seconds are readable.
2,49
